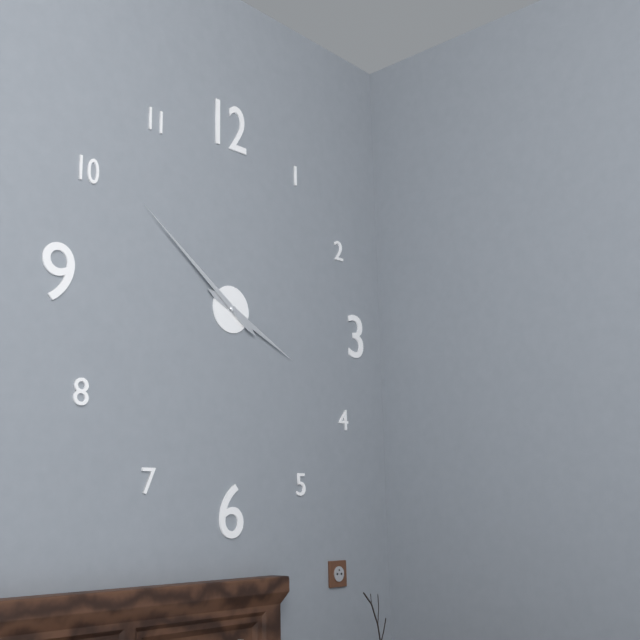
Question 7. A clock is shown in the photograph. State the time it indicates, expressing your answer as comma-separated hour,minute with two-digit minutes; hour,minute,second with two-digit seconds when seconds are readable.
3,51
